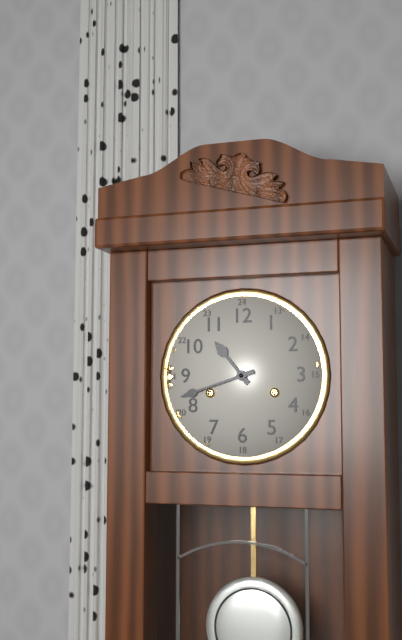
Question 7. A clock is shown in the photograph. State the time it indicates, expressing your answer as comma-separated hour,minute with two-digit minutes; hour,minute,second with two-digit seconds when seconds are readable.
10,42
